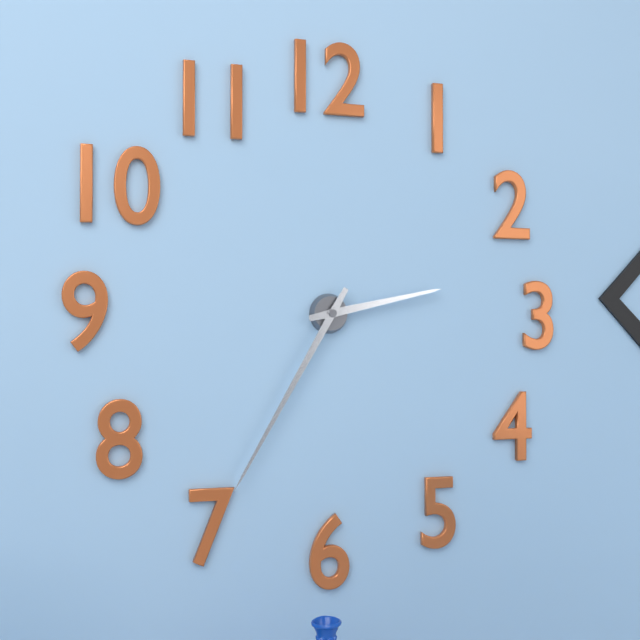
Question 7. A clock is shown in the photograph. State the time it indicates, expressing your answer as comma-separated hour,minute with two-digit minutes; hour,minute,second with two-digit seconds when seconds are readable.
2,35
